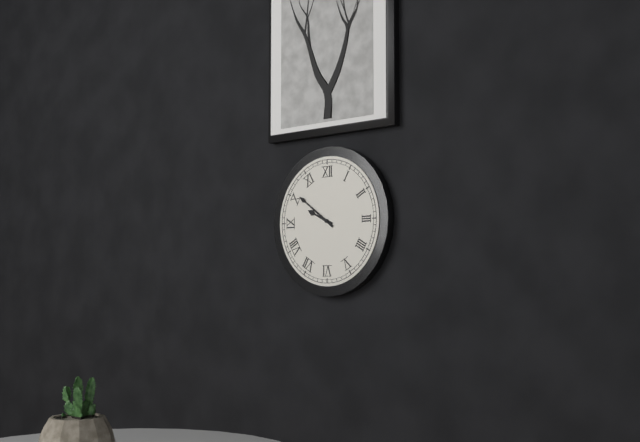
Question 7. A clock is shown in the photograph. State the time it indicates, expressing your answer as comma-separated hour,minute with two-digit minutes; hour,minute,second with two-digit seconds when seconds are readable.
9,51
